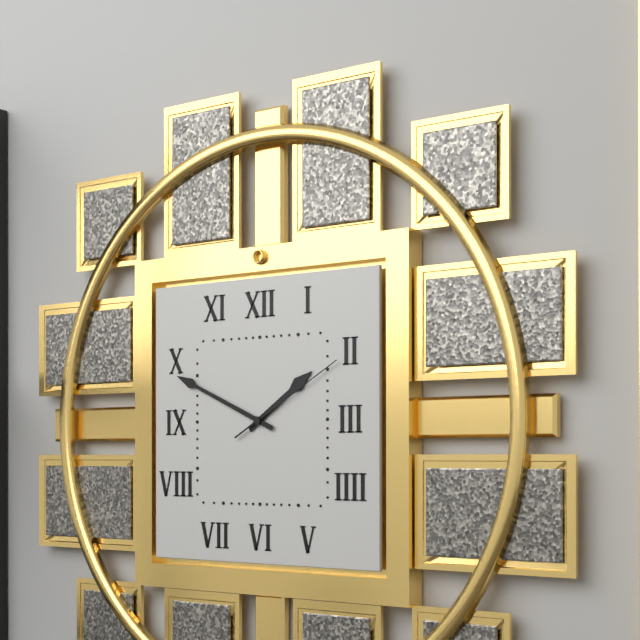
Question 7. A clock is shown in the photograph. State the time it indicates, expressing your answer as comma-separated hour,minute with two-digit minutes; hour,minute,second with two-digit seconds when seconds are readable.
1,49,10
